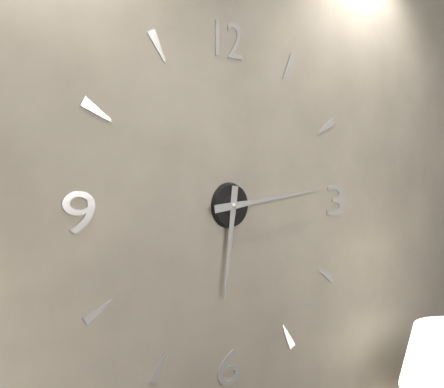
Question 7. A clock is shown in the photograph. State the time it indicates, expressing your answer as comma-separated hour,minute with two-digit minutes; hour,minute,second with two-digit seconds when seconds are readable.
6,14
